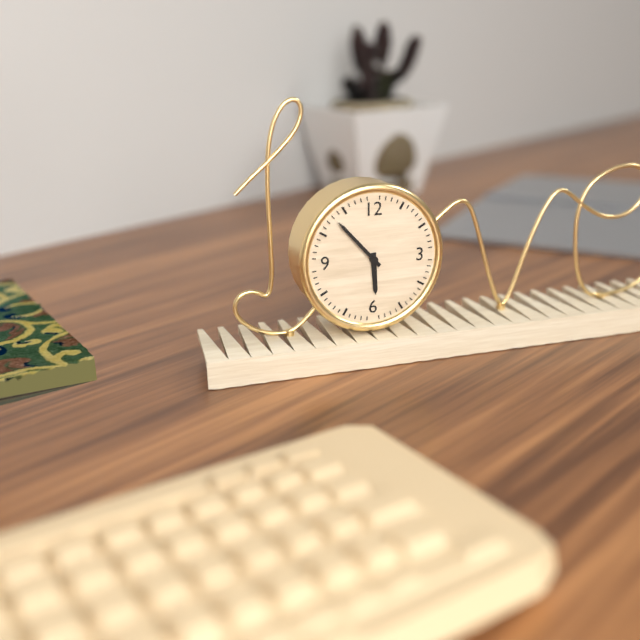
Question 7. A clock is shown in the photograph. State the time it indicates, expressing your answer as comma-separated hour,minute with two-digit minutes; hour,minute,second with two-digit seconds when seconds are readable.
5,53
